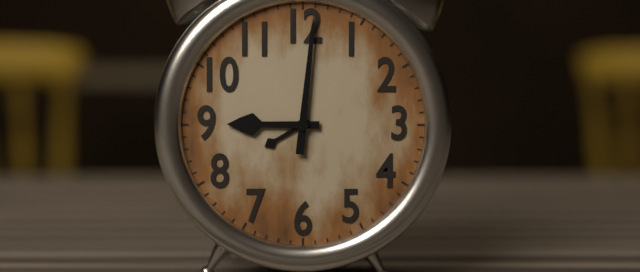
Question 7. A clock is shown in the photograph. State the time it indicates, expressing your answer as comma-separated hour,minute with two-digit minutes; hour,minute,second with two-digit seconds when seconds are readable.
9,01
